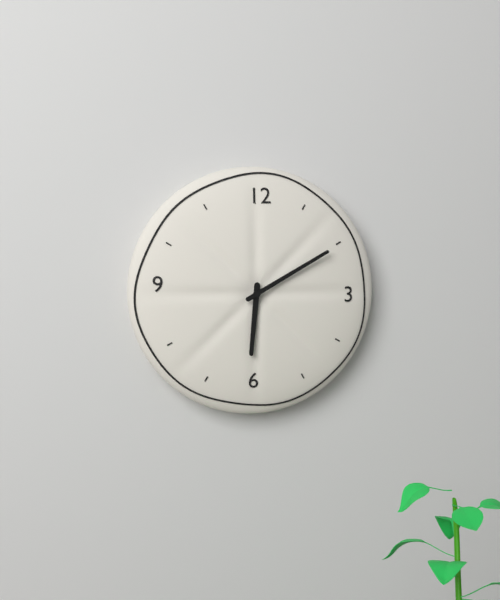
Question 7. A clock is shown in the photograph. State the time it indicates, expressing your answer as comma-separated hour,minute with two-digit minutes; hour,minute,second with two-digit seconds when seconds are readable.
6,10
